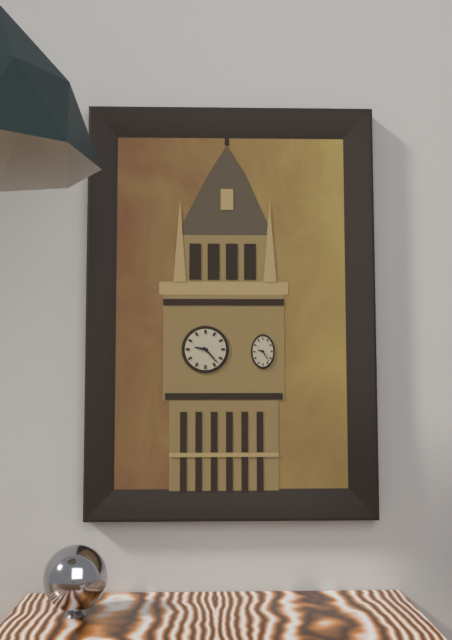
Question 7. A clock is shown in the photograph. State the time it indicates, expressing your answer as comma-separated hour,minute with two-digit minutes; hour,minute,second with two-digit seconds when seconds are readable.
9,23
